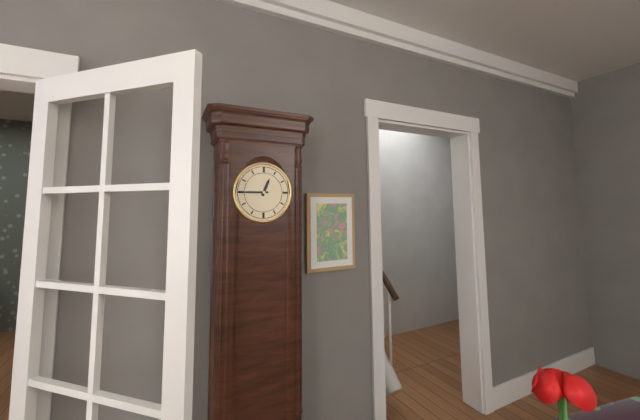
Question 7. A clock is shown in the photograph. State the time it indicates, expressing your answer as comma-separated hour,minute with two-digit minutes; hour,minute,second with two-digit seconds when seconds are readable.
12,45
